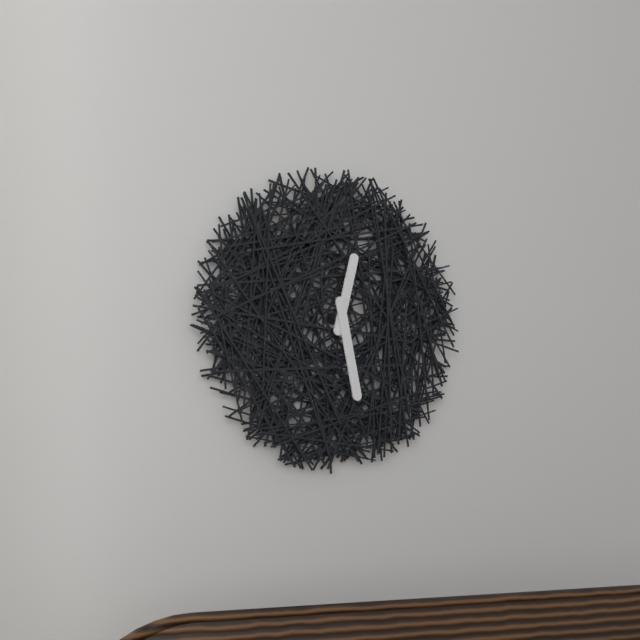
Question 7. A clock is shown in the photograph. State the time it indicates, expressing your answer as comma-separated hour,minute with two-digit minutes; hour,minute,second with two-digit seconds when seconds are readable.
12,28
